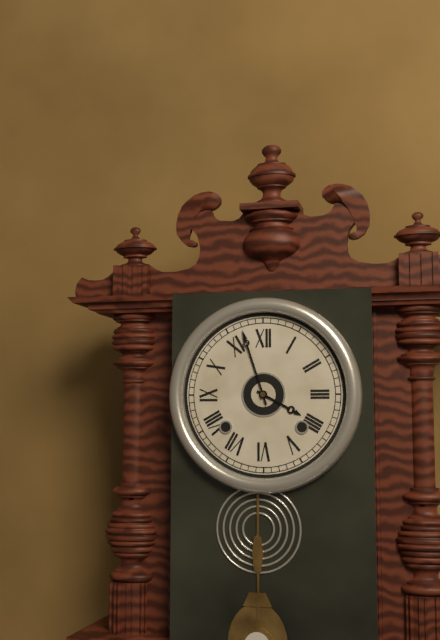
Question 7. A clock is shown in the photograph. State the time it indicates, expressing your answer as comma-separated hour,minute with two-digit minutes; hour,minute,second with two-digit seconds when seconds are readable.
3,57
